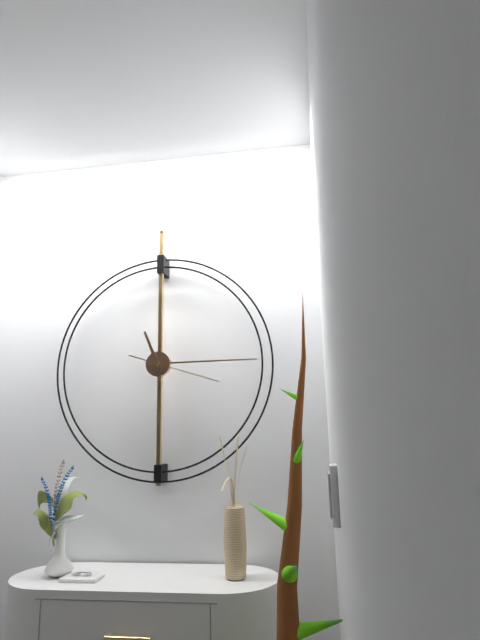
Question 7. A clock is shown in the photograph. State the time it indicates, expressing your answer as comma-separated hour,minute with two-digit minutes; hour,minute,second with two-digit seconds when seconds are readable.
11,15,18
